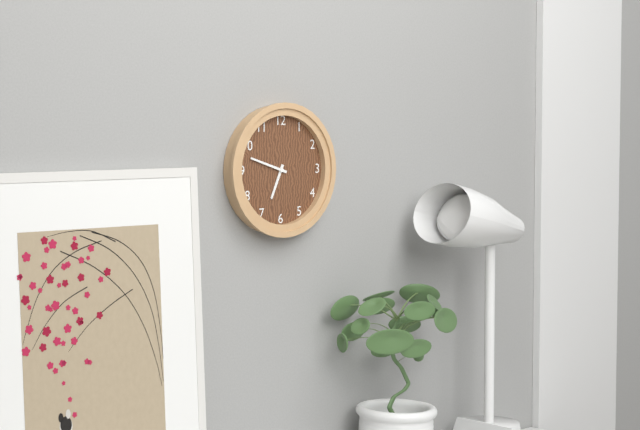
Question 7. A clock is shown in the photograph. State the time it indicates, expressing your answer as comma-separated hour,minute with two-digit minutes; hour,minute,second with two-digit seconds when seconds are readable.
6,48
